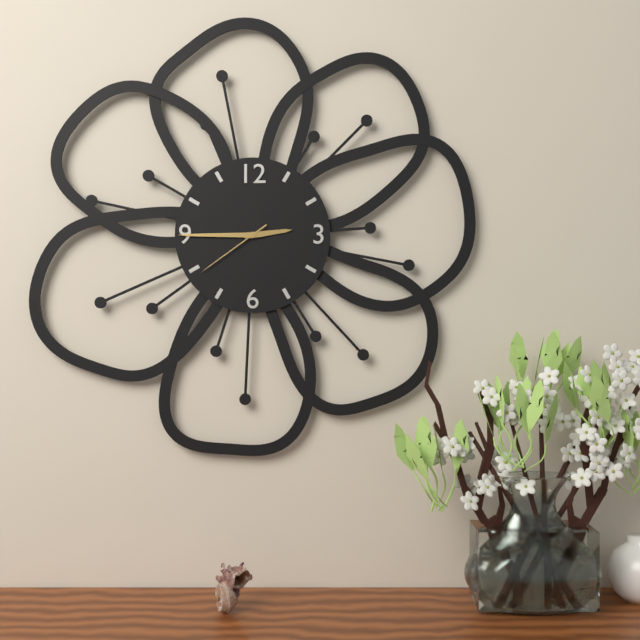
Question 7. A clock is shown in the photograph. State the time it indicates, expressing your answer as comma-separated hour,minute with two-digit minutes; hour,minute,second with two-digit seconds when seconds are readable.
2,45,39
